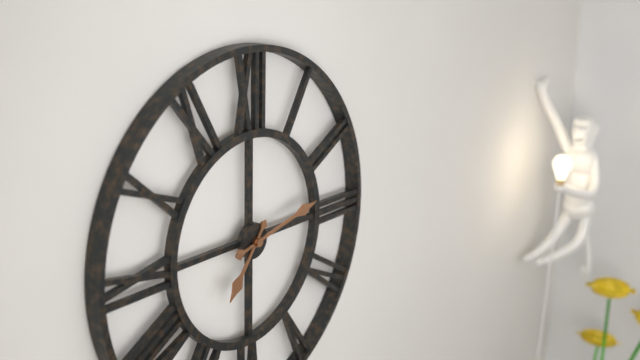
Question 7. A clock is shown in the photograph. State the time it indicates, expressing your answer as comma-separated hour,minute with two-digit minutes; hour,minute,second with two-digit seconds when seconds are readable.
7,13
